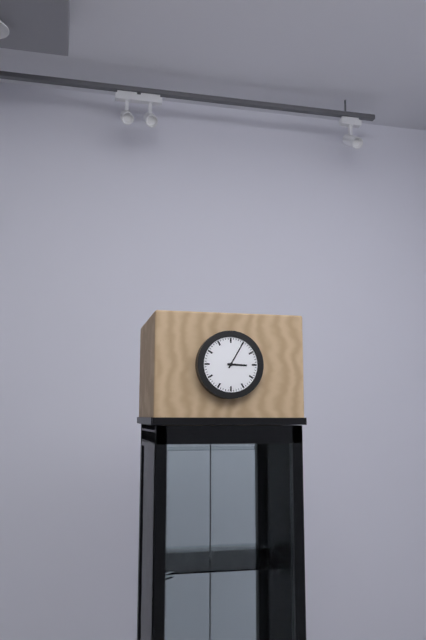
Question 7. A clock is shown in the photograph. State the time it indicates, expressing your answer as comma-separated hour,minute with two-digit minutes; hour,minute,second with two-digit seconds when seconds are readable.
3,05
